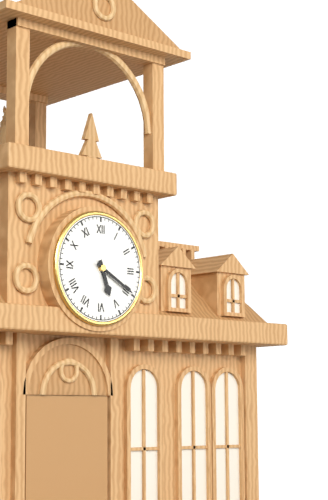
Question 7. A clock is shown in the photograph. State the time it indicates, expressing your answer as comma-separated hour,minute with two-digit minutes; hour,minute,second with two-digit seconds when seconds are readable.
5,20
